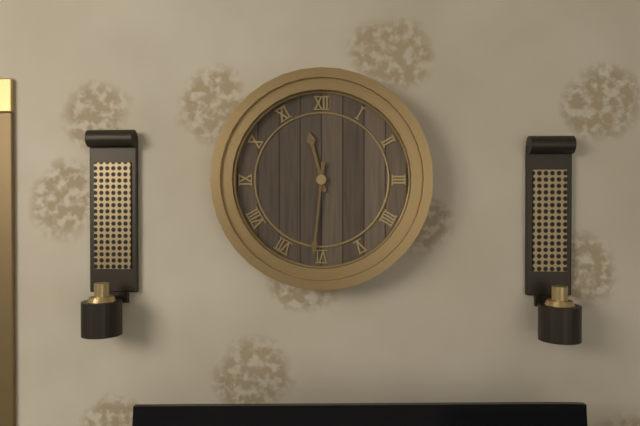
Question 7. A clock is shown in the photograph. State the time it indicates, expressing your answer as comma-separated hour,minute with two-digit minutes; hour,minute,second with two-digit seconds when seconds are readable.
11,31
